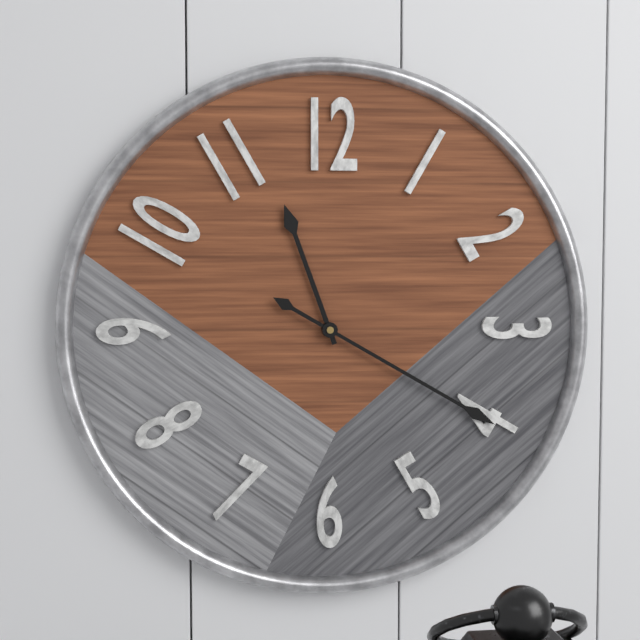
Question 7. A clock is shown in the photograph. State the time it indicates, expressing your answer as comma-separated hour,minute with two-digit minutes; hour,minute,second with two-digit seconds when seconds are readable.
11,20
